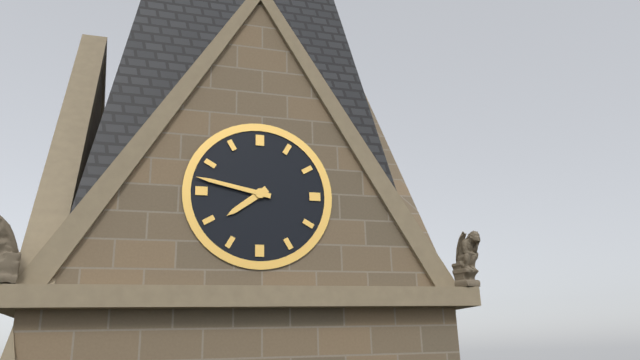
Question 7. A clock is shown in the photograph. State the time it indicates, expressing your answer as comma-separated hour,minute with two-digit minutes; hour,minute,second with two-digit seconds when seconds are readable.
7,47
